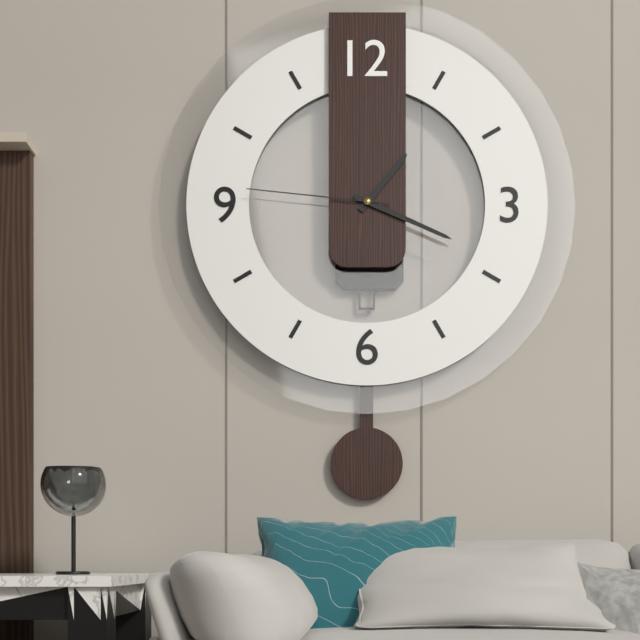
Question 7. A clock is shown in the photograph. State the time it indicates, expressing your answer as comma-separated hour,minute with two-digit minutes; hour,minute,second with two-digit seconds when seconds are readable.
1,19,46
